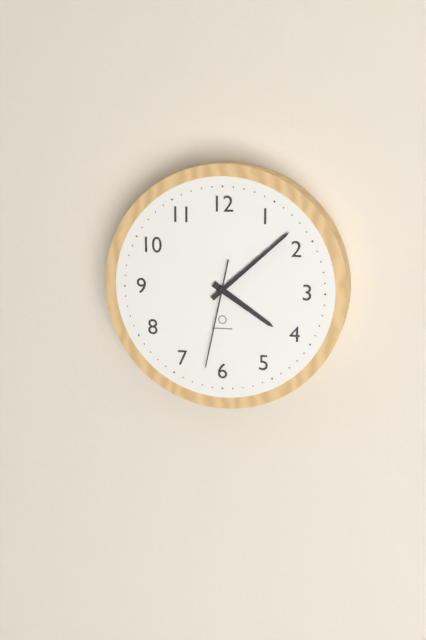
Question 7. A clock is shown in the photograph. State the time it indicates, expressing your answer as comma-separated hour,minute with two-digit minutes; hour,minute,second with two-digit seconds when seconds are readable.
4,08,32
